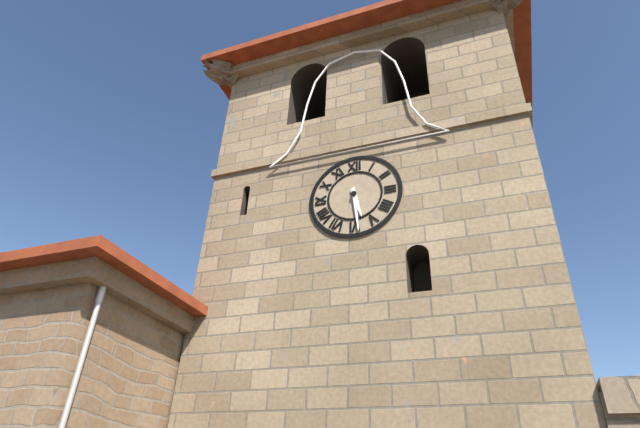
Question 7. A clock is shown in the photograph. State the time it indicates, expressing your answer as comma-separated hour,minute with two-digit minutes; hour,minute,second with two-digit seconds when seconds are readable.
5,29
